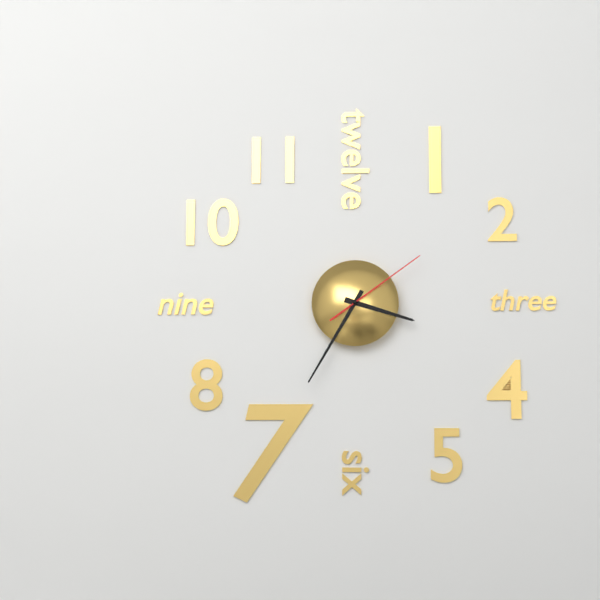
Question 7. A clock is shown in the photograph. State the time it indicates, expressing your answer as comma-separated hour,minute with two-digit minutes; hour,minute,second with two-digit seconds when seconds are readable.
3,35,09
